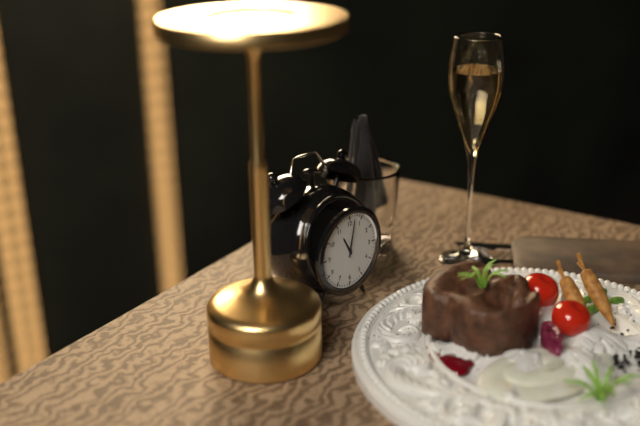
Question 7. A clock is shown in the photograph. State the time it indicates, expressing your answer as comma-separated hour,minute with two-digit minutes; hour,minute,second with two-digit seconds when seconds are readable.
11,02
